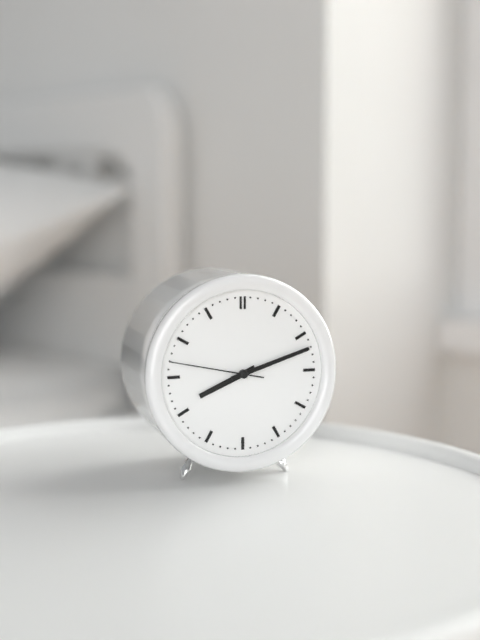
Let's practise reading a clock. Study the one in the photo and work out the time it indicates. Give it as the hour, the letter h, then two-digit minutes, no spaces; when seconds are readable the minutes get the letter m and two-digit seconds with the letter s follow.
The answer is 8h12m47s
